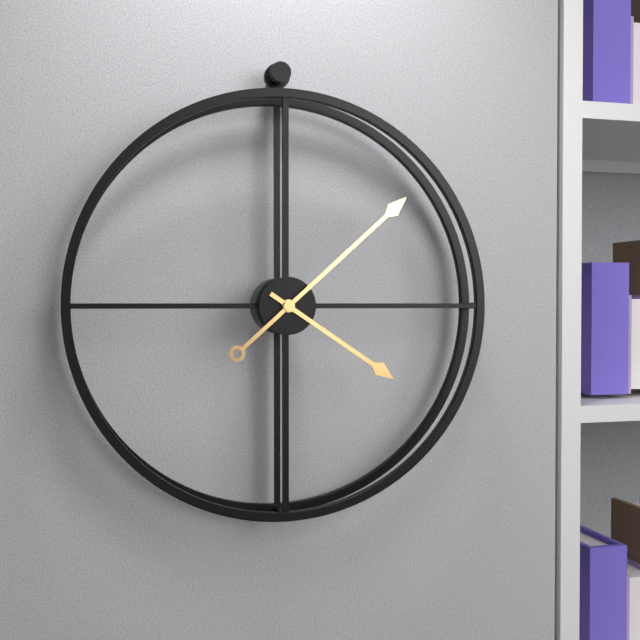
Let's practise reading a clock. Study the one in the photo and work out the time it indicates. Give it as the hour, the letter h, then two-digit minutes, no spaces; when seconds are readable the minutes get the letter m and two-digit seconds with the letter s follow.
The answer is 4h08
